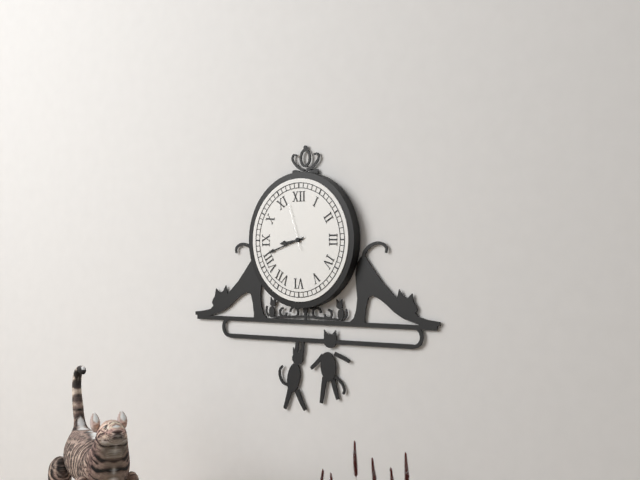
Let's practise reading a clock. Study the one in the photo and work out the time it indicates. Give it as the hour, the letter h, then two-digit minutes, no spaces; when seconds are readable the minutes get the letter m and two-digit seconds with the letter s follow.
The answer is 8h42
